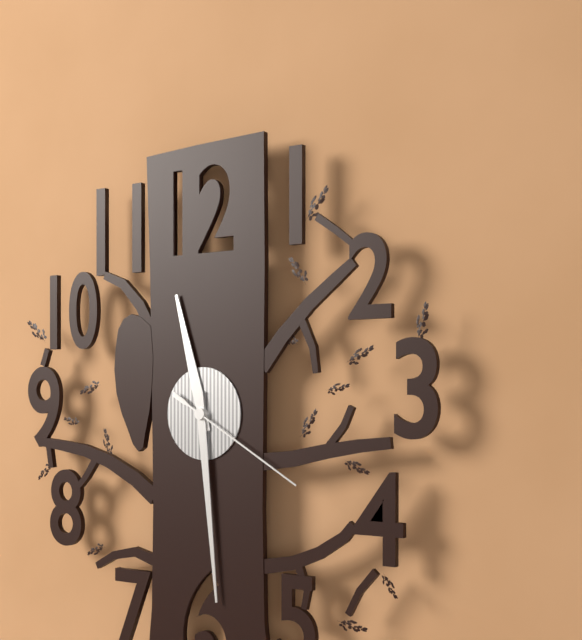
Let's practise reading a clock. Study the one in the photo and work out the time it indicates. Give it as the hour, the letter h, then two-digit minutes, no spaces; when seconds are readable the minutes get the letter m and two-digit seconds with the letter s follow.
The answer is 11h29m20s
